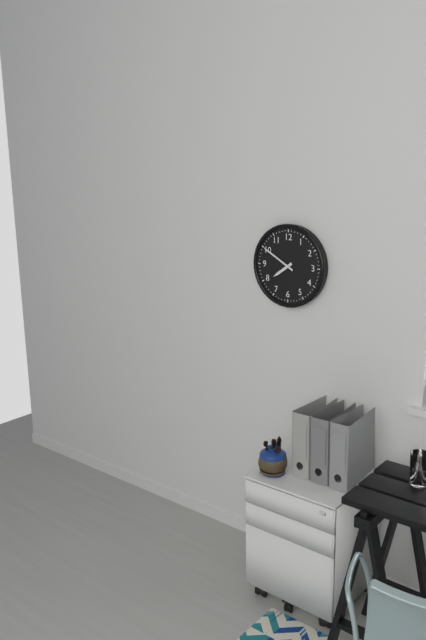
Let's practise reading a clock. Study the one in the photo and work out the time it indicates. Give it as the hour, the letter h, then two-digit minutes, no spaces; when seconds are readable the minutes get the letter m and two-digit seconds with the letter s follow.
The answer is 7h50
